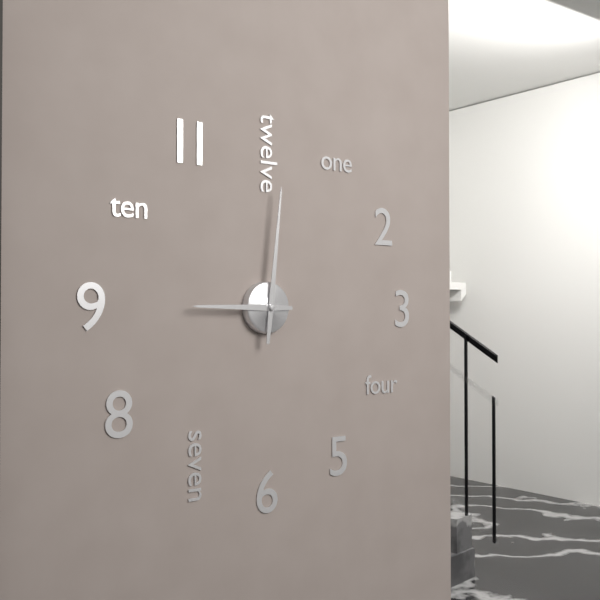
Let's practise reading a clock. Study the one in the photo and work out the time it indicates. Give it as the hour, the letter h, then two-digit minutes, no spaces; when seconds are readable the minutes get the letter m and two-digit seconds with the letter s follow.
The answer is 9h01
